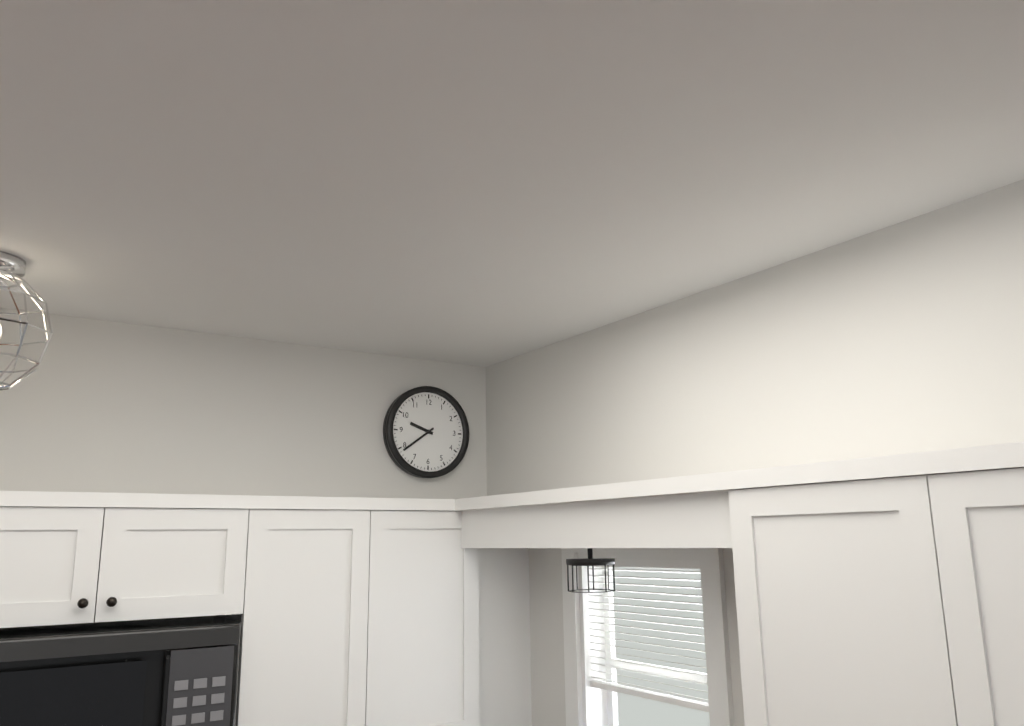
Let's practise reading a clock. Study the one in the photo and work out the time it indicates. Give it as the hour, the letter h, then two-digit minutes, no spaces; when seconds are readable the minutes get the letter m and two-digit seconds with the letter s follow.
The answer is 9h39
